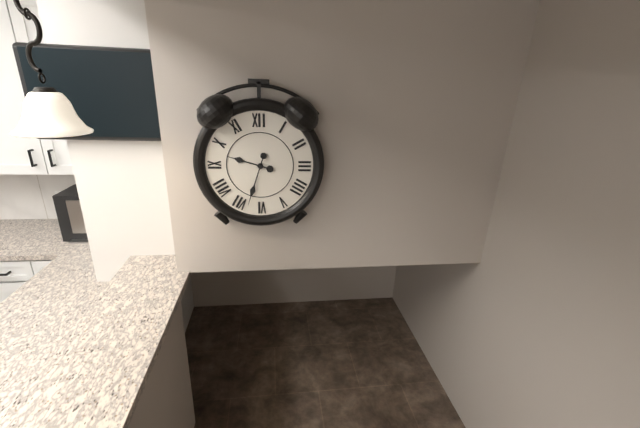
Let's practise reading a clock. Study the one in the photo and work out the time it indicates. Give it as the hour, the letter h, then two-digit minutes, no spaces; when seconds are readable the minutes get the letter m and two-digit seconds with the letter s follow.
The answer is 9h33
